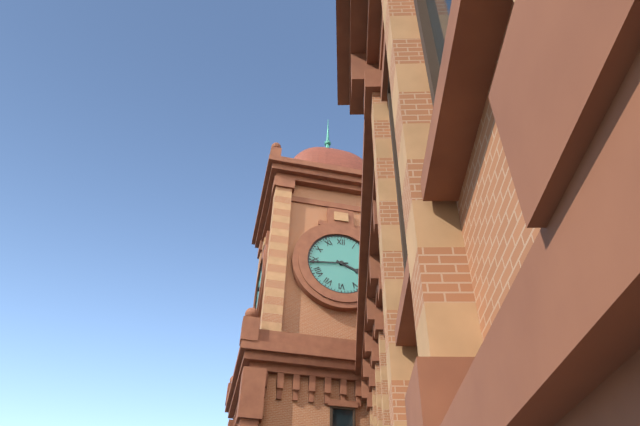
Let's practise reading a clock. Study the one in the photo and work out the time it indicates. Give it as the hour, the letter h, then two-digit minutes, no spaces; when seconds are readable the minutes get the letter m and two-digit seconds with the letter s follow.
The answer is 3h44
